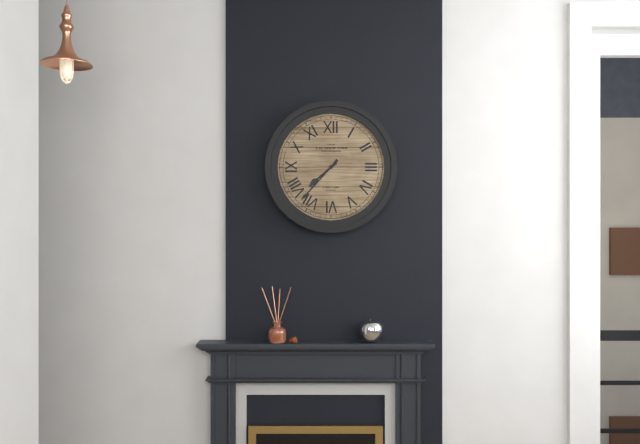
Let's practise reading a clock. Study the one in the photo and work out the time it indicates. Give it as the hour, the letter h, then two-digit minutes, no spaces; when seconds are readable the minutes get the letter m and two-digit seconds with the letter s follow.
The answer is 7h37
